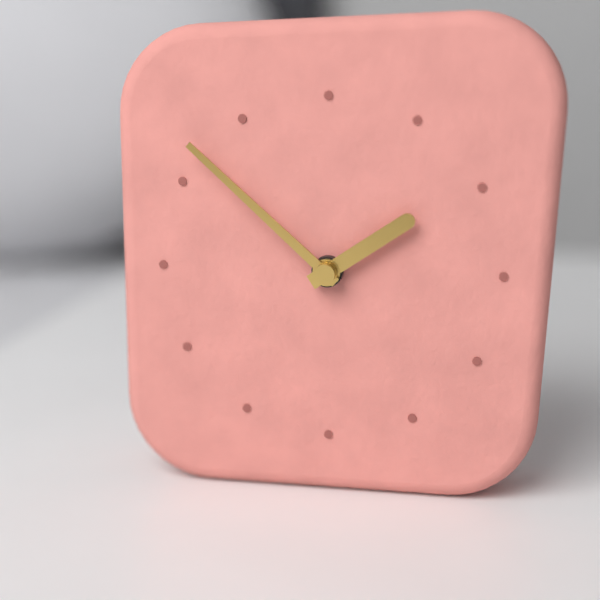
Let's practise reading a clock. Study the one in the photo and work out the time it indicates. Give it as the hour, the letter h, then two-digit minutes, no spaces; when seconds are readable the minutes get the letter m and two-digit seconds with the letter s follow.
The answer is 1h52
